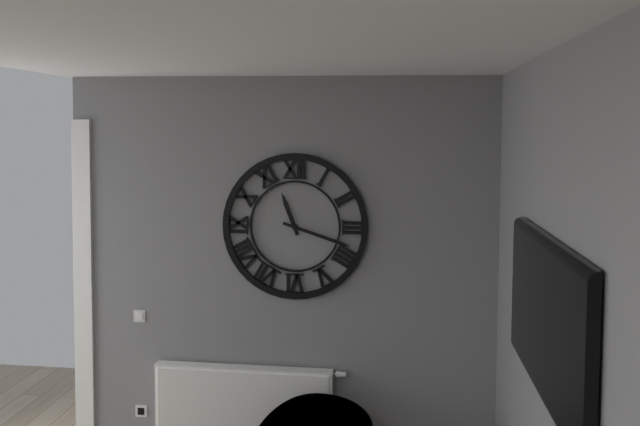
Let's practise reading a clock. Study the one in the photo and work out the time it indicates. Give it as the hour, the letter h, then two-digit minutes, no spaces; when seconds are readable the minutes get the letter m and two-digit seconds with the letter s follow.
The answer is 11h18
